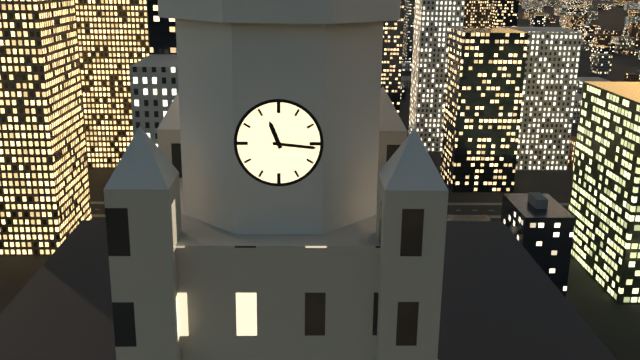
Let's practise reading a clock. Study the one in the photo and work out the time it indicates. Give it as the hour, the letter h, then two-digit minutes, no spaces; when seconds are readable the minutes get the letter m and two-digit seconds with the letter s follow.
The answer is 11h16
